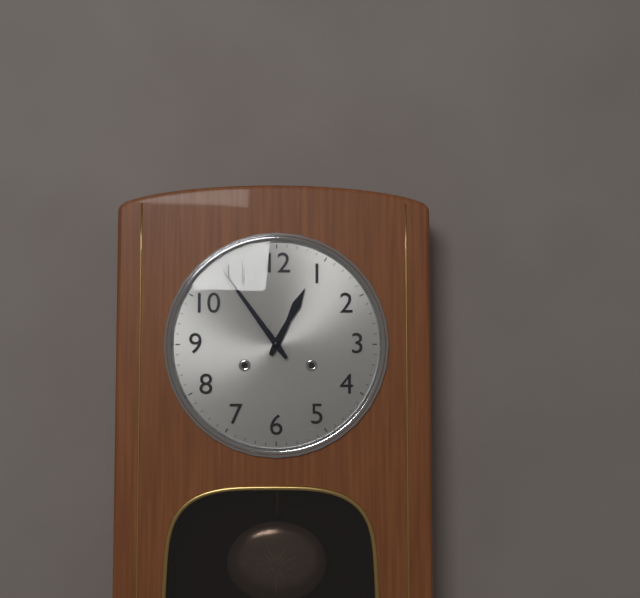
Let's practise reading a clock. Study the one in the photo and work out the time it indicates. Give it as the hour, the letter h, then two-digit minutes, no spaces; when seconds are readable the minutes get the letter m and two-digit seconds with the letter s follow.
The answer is 12h54
